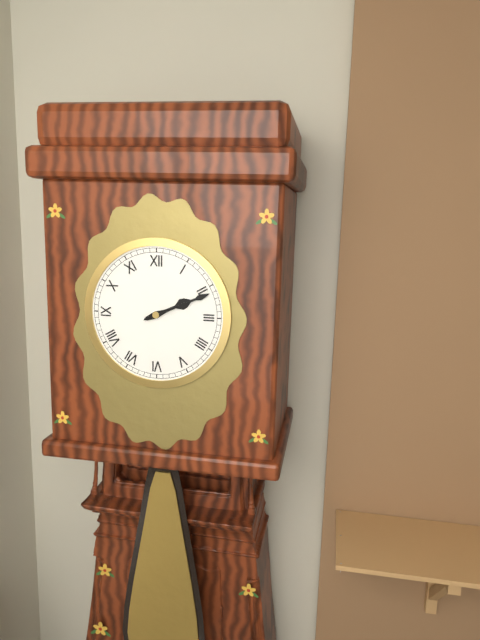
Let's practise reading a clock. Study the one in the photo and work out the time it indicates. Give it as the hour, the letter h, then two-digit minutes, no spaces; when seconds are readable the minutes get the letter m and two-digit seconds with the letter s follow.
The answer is 2h11
